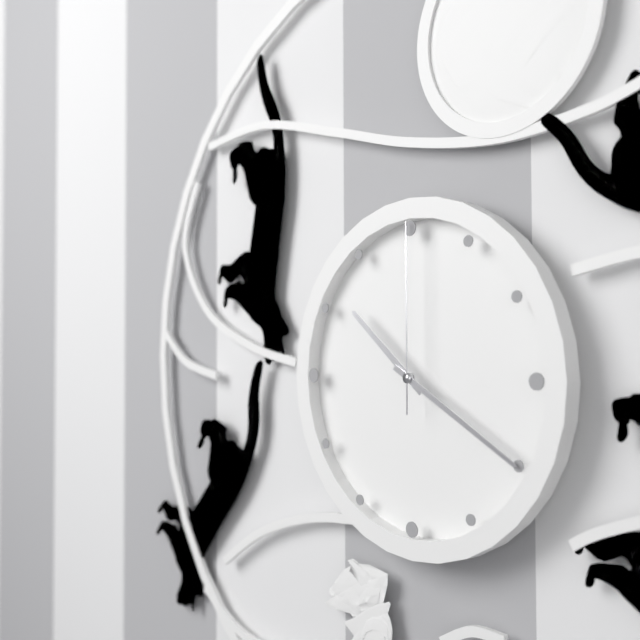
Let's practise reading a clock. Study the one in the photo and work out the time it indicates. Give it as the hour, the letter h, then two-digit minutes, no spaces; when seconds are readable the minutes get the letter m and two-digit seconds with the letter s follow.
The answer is 10h20m00s
